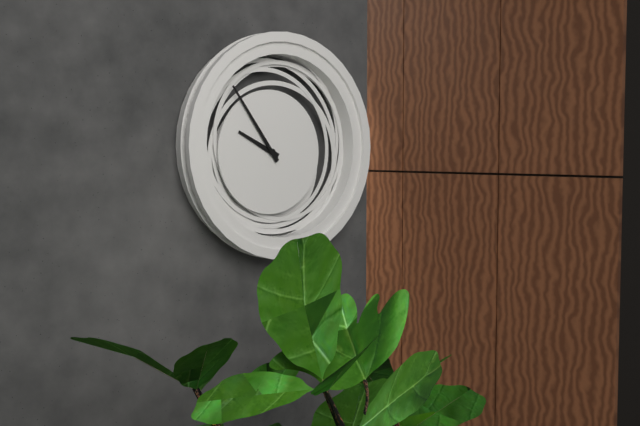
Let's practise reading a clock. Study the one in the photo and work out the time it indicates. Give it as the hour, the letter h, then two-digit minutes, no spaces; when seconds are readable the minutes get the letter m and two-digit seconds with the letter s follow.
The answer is 9h54
